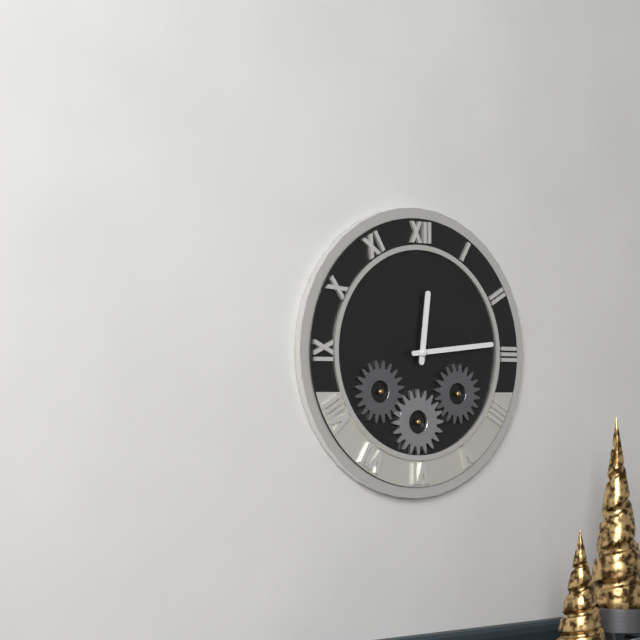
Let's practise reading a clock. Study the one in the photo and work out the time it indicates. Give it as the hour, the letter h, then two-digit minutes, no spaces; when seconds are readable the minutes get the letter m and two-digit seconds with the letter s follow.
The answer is 12h14
